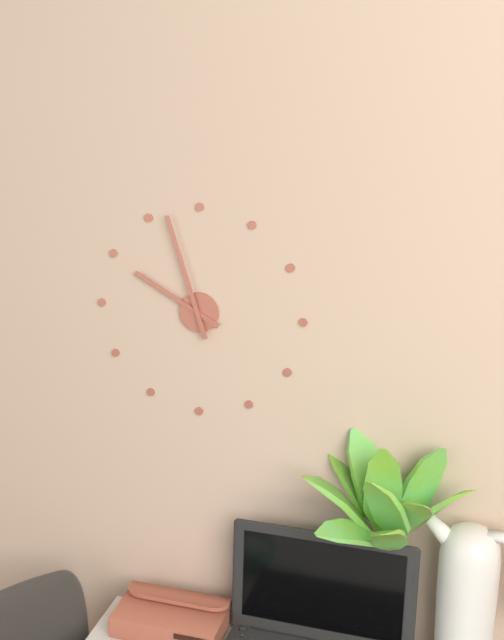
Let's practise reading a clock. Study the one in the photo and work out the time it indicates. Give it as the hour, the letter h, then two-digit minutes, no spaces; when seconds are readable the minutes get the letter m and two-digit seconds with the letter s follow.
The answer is 9h57
